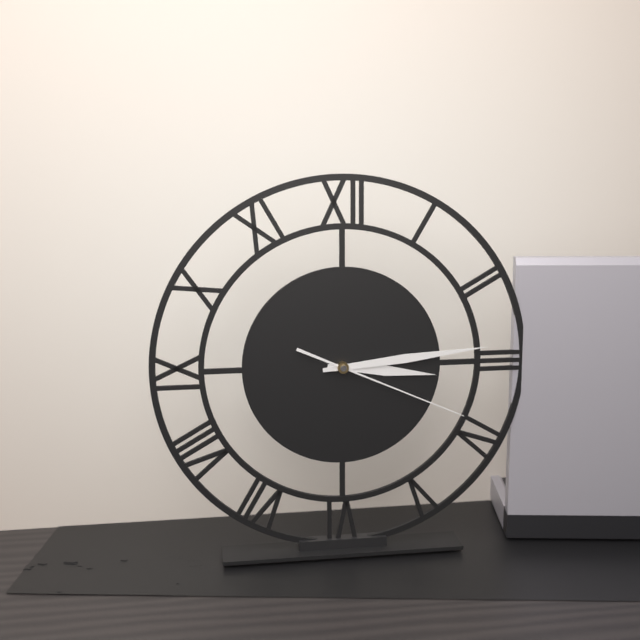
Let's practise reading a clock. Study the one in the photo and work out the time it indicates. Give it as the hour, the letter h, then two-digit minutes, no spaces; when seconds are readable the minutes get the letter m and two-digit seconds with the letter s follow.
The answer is 3h14m19s
